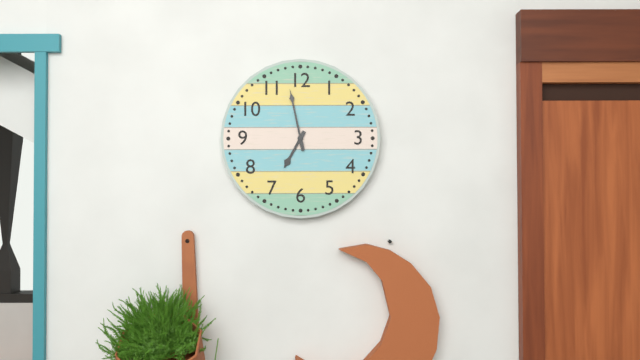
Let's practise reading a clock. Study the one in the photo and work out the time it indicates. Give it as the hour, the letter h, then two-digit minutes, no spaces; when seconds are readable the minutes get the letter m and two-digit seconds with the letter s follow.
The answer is 6h58
